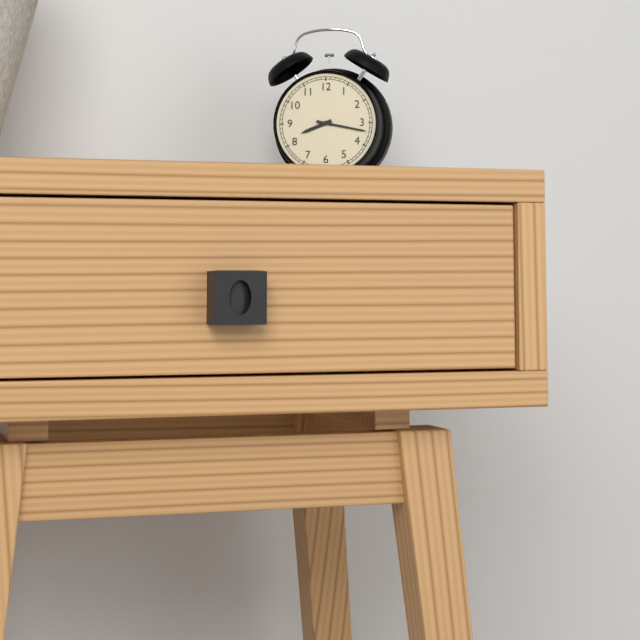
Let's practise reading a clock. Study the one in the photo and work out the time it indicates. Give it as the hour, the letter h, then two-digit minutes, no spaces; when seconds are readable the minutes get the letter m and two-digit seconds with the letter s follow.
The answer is 8h17
